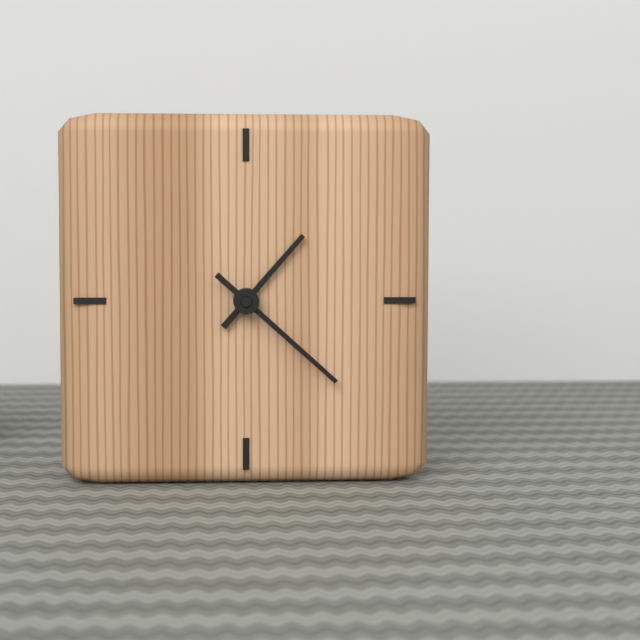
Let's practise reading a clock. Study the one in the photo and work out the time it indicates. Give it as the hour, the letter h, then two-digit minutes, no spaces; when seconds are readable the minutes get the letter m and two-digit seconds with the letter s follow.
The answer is 1h22
